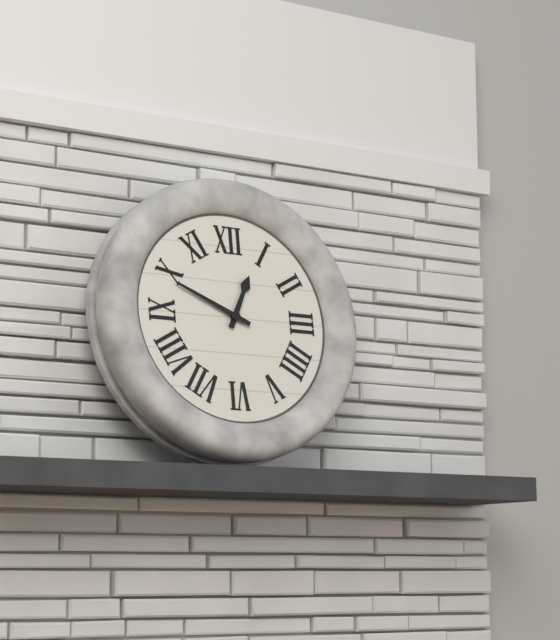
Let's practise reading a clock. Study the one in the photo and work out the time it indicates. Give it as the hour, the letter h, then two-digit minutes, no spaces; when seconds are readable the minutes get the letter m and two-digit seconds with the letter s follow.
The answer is 12h49
